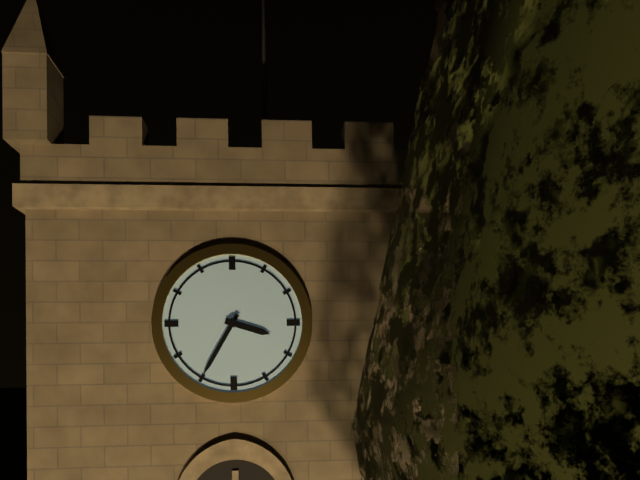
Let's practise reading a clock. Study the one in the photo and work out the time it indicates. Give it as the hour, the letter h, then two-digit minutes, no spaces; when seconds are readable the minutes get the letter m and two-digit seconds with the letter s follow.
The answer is 3h35
